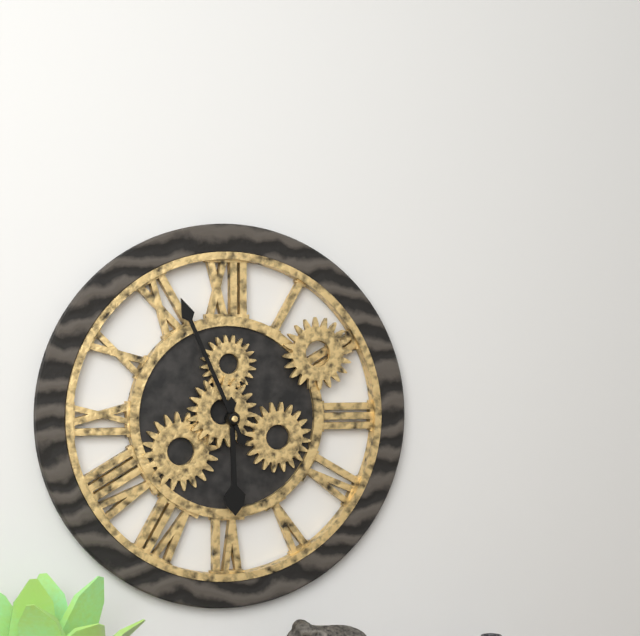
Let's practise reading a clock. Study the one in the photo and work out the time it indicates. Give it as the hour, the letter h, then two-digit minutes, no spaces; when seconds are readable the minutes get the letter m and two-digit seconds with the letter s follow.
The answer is 5h56
